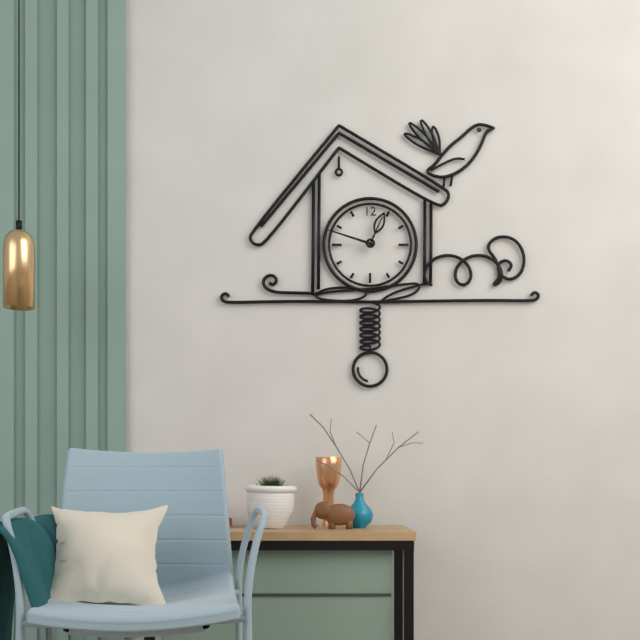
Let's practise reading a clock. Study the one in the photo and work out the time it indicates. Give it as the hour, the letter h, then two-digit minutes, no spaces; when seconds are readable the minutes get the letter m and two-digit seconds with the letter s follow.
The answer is 12h48
